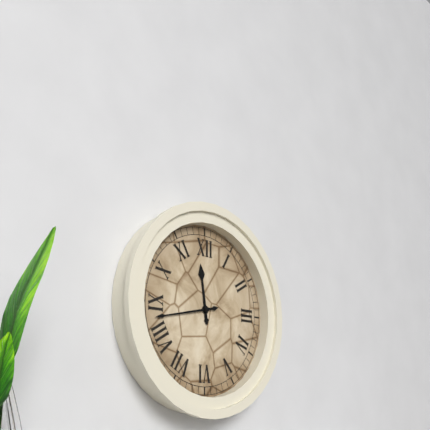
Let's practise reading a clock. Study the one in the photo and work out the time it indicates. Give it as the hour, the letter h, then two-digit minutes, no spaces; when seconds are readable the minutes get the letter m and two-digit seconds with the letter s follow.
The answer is 11h43
